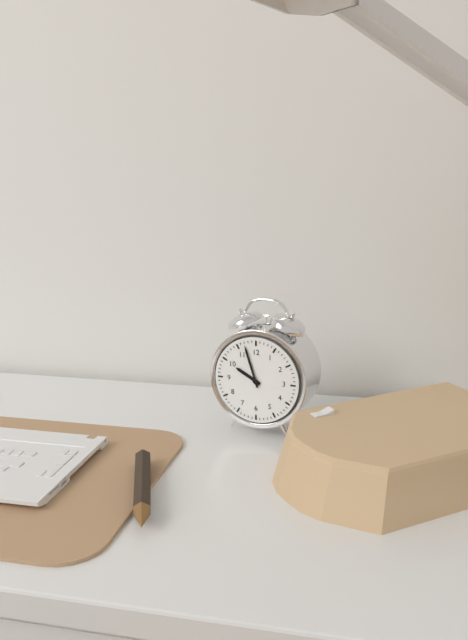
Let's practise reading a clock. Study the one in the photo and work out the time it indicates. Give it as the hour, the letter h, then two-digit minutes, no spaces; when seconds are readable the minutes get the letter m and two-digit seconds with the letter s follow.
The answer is 9h57
